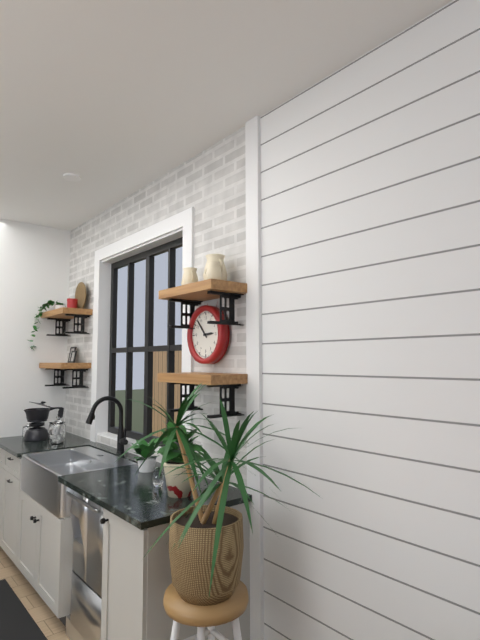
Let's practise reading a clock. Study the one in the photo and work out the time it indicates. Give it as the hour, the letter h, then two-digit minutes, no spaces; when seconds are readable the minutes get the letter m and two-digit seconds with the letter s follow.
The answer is 2h53
